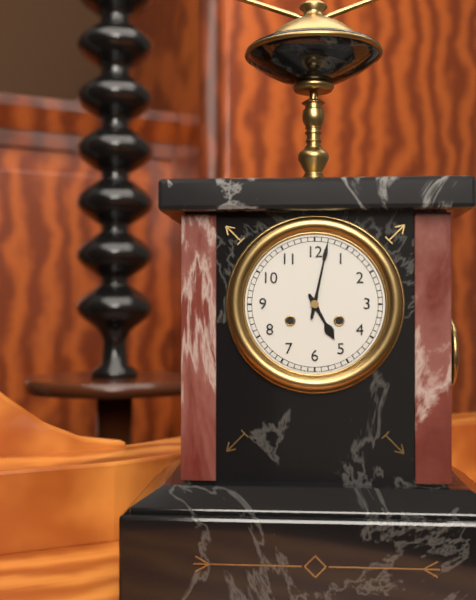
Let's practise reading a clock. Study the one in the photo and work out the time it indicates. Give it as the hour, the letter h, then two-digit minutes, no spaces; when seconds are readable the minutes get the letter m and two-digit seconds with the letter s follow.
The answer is 5h02
